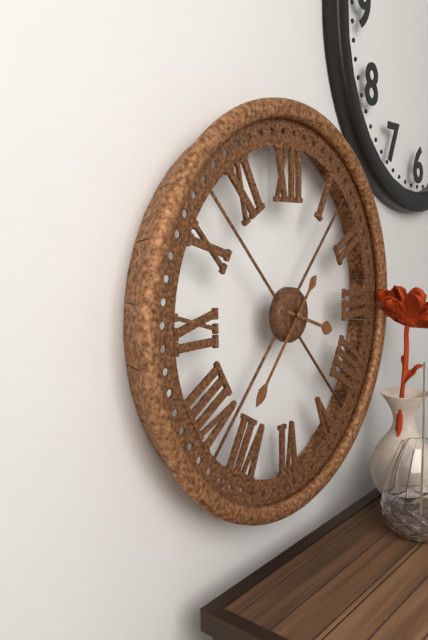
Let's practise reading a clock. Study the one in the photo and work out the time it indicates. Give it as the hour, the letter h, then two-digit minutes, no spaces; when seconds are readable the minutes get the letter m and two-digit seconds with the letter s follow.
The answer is 3h37
